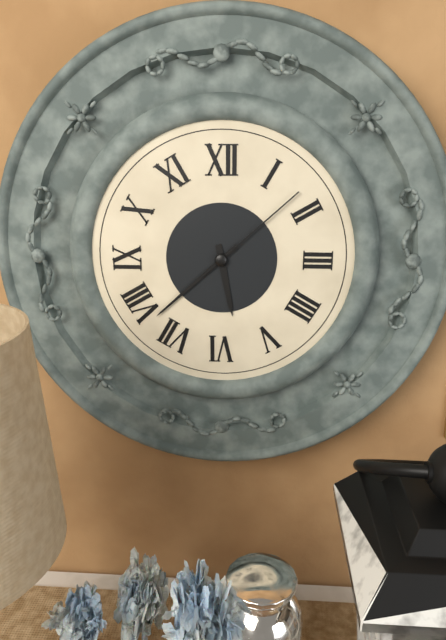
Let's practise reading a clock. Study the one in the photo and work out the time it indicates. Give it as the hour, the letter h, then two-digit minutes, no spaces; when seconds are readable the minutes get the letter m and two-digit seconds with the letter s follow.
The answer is 5h38m08s
